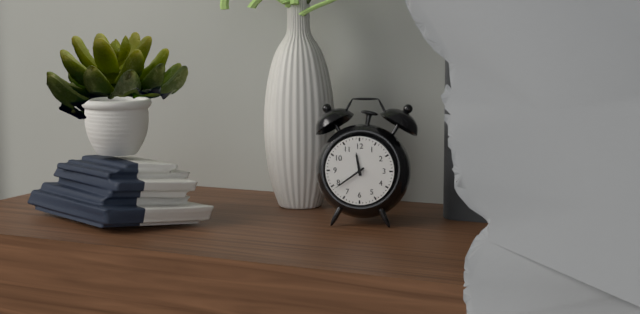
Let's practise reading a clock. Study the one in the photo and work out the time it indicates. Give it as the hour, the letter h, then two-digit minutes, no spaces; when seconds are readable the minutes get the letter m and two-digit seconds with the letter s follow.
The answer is 11h39
